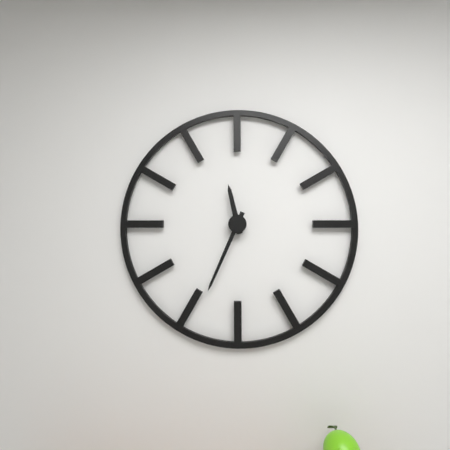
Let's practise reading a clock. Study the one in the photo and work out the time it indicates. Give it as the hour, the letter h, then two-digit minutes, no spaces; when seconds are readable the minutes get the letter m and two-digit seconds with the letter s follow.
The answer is 11h34
